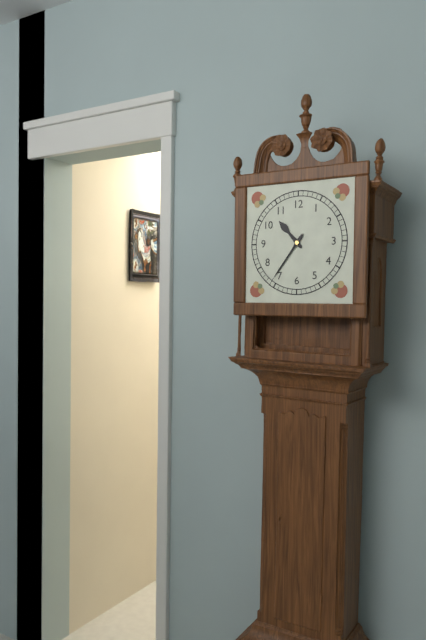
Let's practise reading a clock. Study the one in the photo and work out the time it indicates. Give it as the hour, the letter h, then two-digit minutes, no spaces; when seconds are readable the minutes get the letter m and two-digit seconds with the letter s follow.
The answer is 10h36
